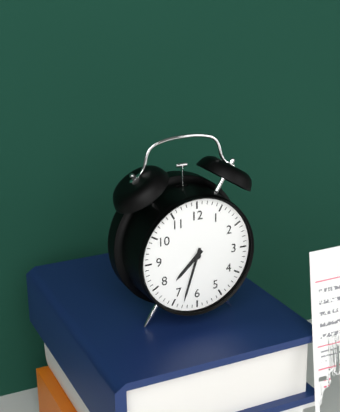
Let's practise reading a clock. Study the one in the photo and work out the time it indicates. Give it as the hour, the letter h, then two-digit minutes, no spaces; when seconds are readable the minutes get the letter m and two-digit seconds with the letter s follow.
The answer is 7h33
